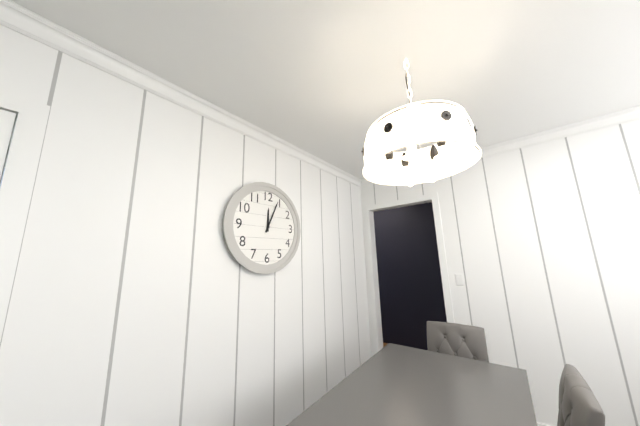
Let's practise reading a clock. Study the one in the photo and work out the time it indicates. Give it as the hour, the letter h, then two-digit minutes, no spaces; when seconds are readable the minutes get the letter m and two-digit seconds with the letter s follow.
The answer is 12h04
